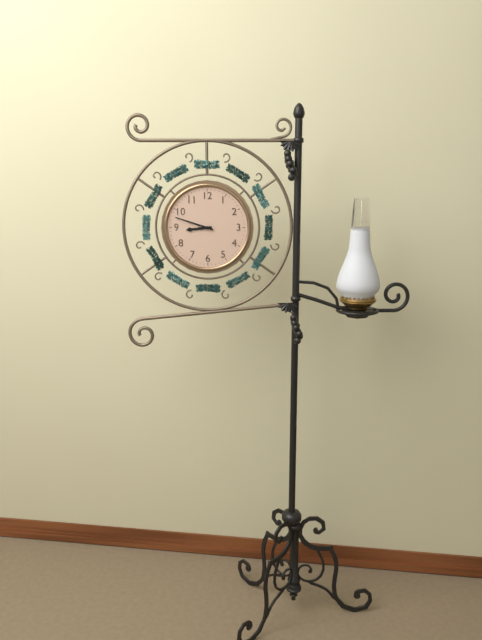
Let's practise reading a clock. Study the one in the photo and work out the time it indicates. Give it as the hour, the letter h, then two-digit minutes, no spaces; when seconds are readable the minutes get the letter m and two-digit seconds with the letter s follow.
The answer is 8h48
